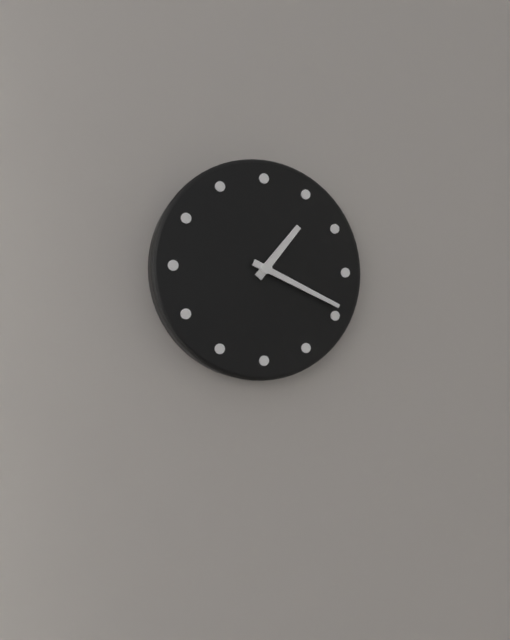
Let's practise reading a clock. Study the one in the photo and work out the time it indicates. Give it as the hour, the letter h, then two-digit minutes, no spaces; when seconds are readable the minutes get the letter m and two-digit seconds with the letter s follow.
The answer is 1h19
